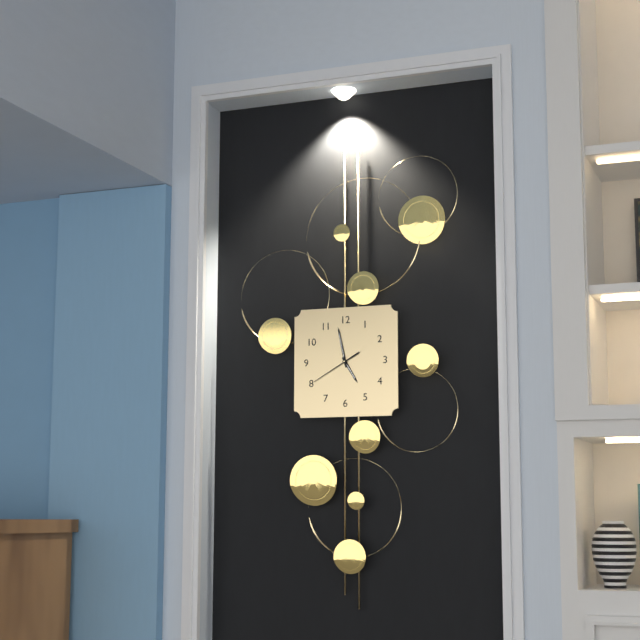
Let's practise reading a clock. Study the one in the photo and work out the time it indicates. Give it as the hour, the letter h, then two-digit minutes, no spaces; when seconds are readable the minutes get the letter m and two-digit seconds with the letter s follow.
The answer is 4h58
